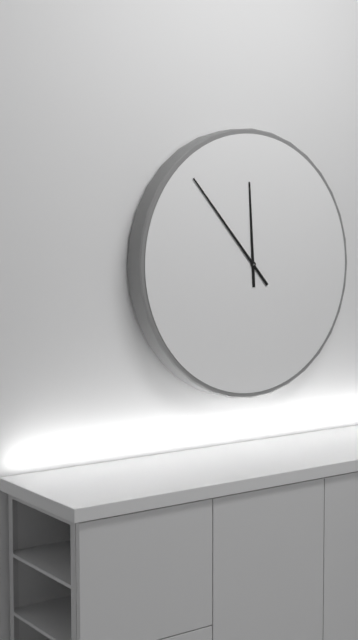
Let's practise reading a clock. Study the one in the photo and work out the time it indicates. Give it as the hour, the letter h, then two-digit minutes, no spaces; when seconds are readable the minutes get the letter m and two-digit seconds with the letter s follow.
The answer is 11h53
